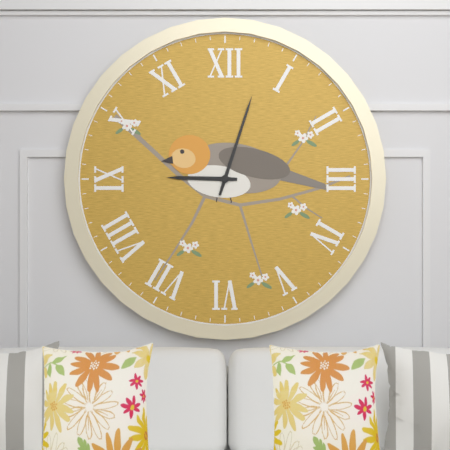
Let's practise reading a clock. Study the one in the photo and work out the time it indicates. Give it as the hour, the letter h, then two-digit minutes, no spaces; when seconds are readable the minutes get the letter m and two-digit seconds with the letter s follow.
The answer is 9h03
